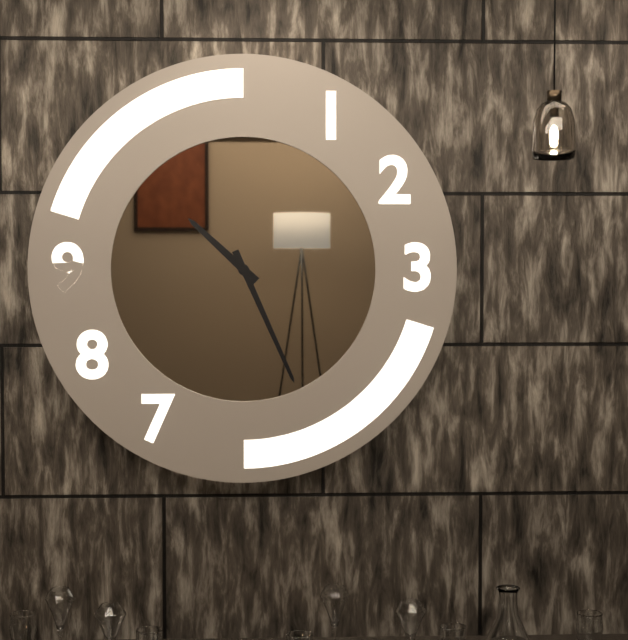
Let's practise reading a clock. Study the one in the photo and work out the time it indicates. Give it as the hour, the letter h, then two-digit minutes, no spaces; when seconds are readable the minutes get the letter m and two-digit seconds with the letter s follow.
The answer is 10h26
